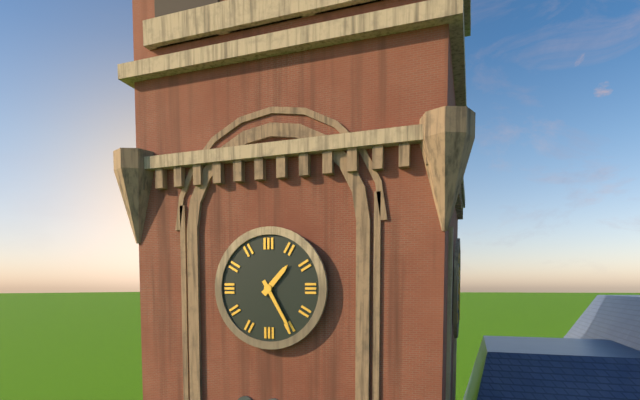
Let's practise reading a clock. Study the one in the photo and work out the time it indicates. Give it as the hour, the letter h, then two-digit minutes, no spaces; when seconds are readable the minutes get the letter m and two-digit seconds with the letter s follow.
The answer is 1h25
